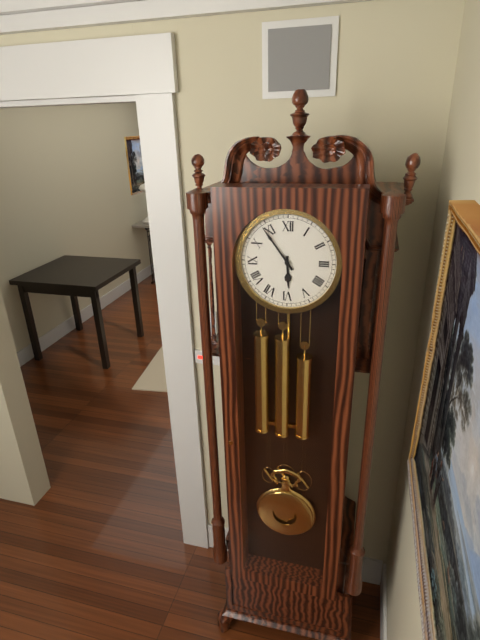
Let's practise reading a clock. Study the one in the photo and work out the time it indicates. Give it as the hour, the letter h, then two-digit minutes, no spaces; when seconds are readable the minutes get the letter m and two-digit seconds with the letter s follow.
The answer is 5h54
